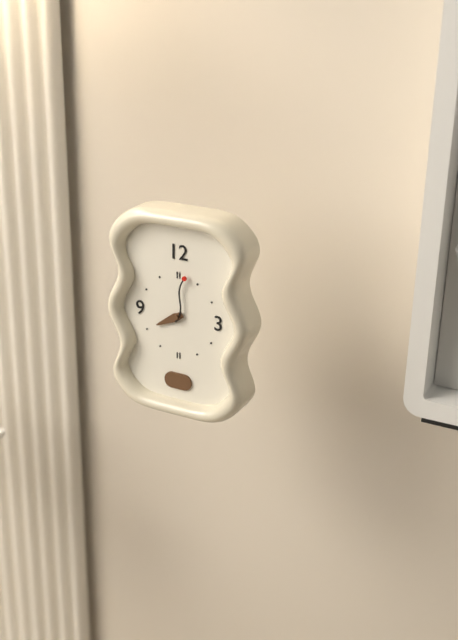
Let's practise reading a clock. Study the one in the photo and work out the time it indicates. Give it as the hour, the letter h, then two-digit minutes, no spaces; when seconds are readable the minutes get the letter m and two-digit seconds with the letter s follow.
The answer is 8h02
